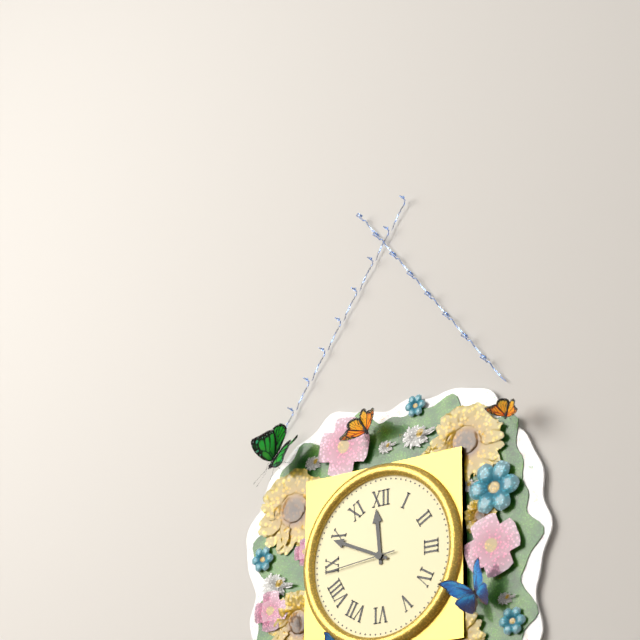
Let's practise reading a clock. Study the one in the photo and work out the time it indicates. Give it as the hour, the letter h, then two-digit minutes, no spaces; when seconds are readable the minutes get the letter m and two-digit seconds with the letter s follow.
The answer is 11h49m44s
